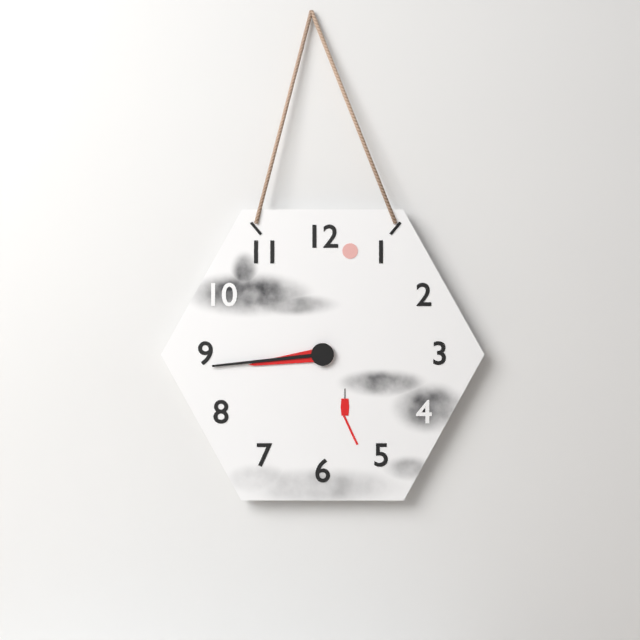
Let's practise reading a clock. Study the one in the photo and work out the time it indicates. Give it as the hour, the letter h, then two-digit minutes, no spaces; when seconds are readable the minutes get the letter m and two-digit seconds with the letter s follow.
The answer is 8h44
